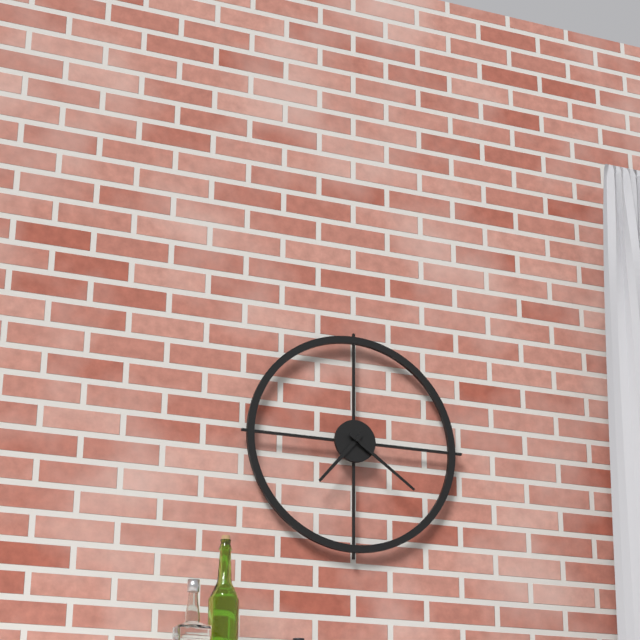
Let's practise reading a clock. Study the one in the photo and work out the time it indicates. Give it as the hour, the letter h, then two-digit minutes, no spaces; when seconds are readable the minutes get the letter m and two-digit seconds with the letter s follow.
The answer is 7h21
